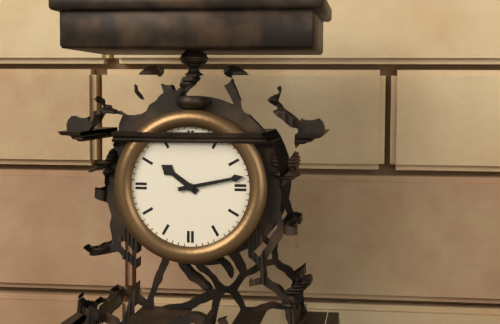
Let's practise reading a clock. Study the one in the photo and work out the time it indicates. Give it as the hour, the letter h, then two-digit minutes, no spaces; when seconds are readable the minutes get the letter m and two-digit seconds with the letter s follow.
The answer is 10h13
